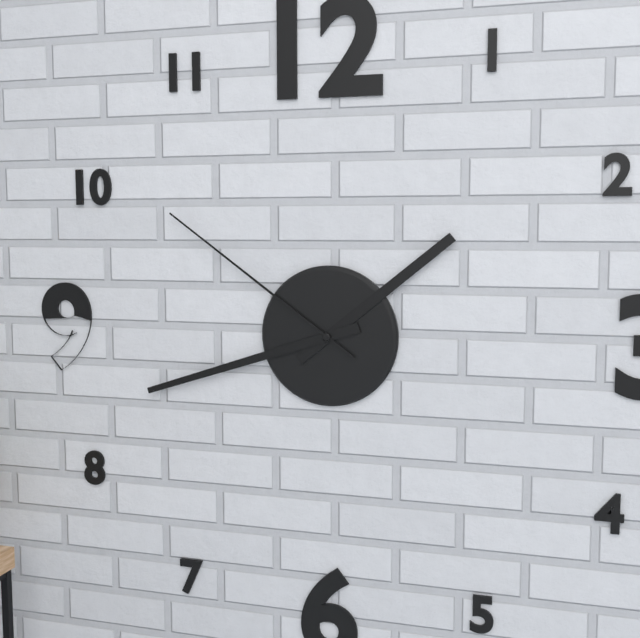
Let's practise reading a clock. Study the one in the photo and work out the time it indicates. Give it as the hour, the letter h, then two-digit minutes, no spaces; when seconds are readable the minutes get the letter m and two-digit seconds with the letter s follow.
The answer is 1h42m51s
